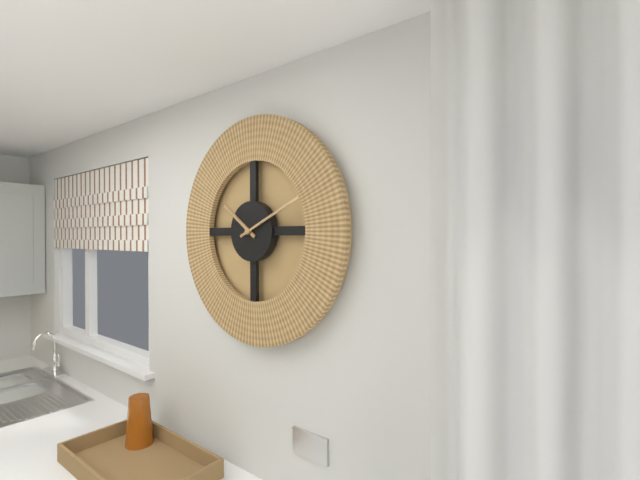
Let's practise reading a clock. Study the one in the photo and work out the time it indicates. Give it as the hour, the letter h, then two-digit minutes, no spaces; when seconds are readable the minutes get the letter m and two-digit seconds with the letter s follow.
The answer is 10h11
